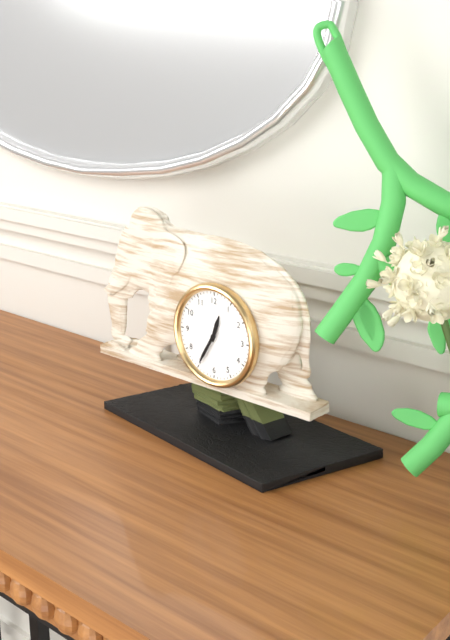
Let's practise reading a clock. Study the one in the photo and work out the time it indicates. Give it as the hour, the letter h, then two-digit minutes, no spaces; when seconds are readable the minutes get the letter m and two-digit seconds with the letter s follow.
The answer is 12h35
